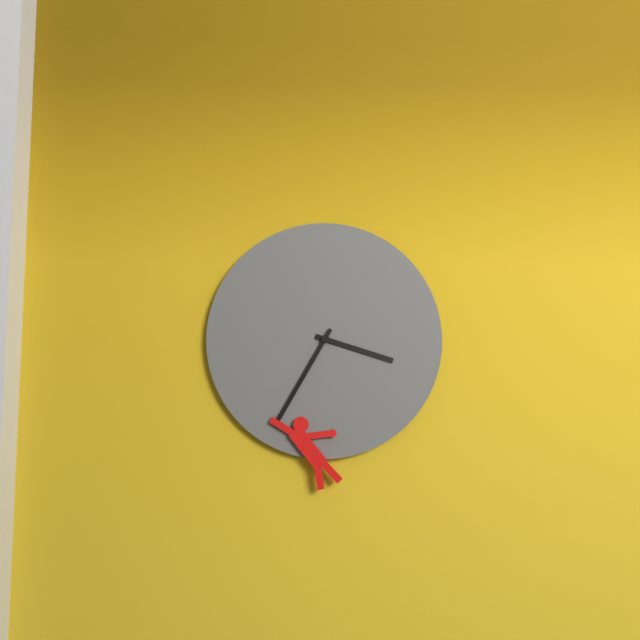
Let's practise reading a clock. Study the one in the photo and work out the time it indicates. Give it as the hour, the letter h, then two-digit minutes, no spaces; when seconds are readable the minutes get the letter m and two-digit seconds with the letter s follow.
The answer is 3h35
